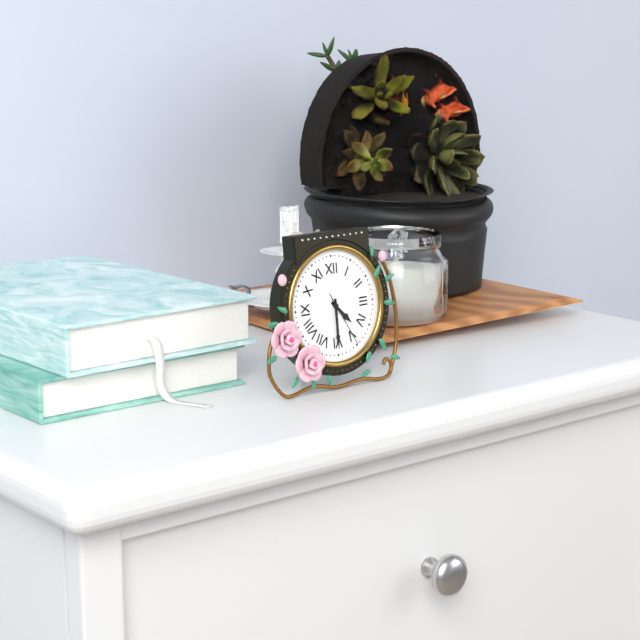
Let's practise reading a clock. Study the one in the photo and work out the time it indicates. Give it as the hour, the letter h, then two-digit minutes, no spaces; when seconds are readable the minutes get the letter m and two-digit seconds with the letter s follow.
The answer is 4h30m25s
